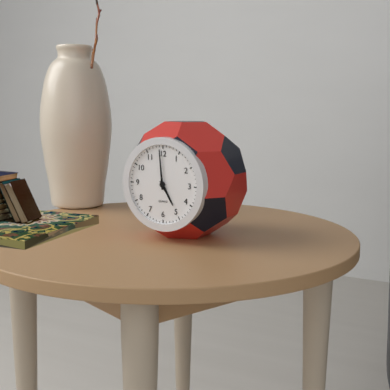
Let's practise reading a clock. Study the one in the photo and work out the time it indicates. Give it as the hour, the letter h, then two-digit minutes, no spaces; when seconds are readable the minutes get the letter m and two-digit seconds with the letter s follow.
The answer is 4h59
